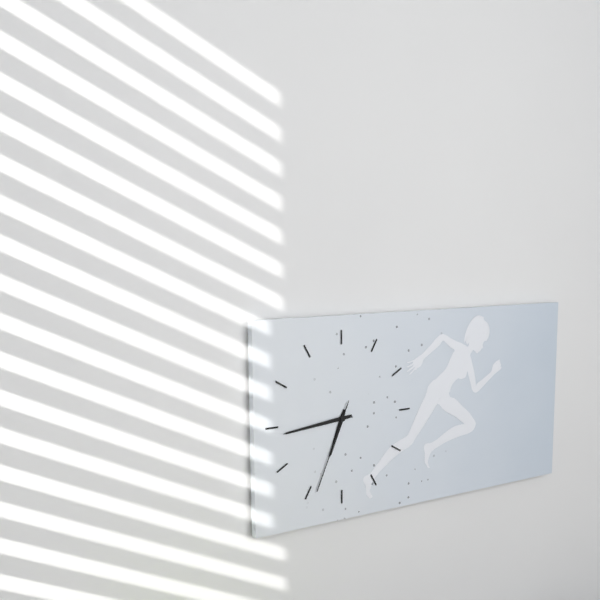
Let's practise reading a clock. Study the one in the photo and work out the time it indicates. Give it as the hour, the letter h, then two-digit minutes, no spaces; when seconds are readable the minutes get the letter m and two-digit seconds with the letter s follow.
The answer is 6h44m34s
